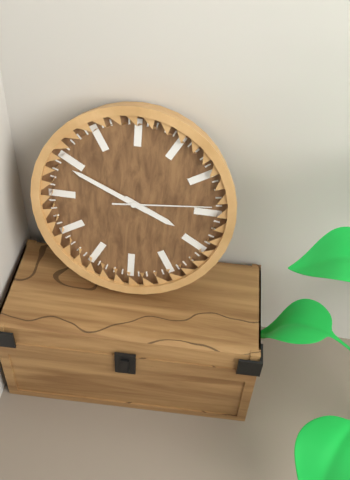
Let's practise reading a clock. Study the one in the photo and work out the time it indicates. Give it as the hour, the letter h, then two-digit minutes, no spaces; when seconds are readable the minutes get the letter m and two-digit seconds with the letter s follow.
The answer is 3h49m14s
